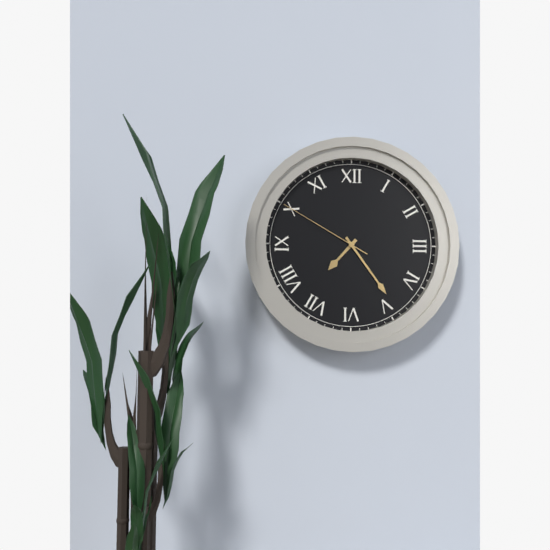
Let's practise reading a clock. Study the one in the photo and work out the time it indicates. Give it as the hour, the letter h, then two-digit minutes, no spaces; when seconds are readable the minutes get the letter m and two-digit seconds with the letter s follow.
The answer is 7h24m50s
